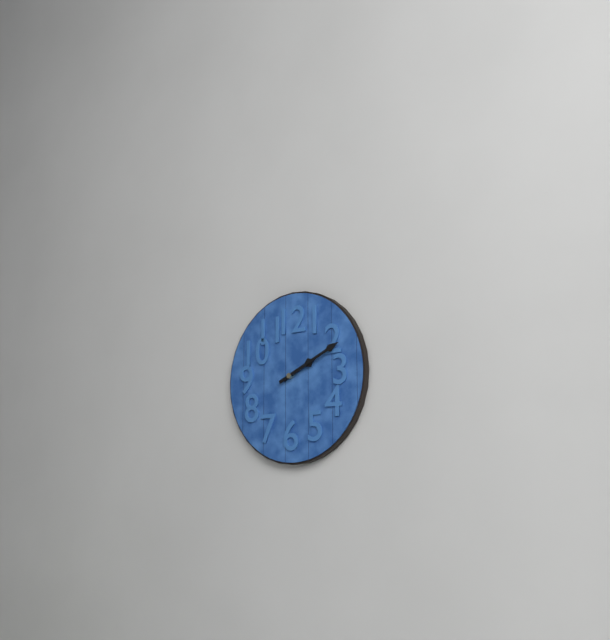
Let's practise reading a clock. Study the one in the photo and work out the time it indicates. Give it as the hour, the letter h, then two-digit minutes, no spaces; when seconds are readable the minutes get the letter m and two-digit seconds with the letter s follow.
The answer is 2h11
